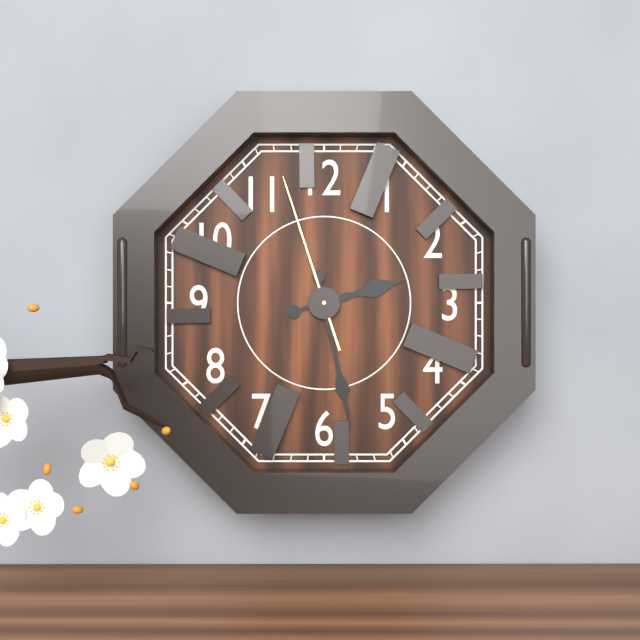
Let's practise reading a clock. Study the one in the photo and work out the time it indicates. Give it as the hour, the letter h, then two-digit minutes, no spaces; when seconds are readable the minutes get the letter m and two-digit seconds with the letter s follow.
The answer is 2h28m57s
